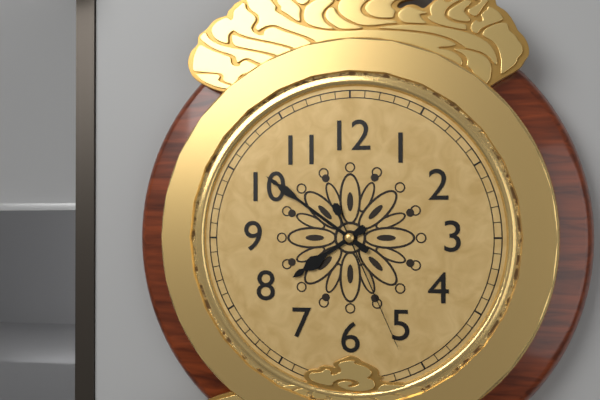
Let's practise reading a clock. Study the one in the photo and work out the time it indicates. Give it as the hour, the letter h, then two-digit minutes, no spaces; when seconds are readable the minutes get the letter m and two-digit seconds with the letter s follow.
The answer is 7h51m26s
